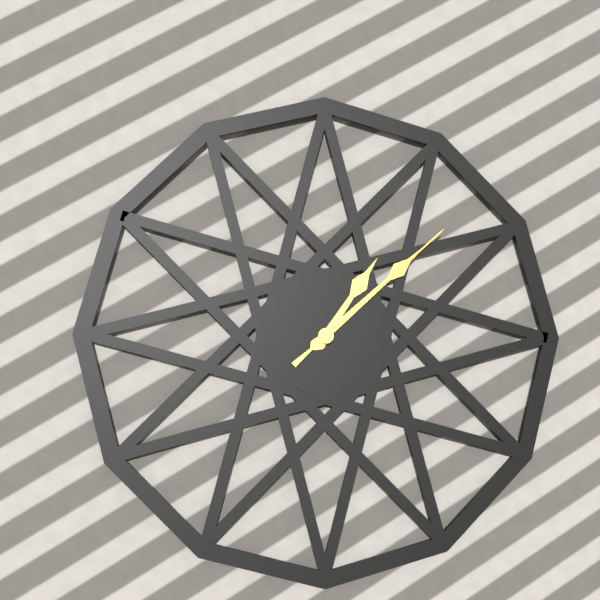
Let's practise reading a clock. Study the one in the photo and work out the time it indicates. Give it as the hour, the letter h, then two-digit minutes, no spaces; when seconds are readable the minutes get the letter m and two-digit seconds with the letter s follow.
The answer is 1h08m08s
